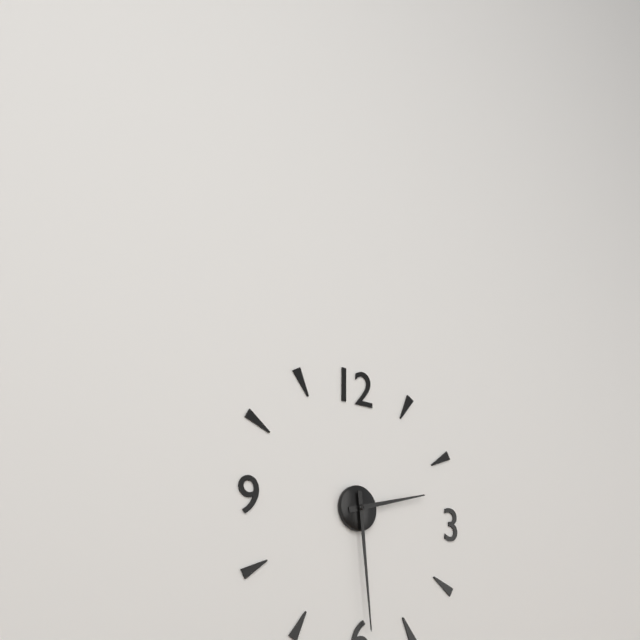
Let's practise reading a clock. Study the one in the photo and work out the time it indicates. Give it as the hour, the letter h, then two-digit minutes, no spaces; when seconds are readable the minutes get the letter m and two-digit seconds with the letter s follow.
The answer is 2h29
